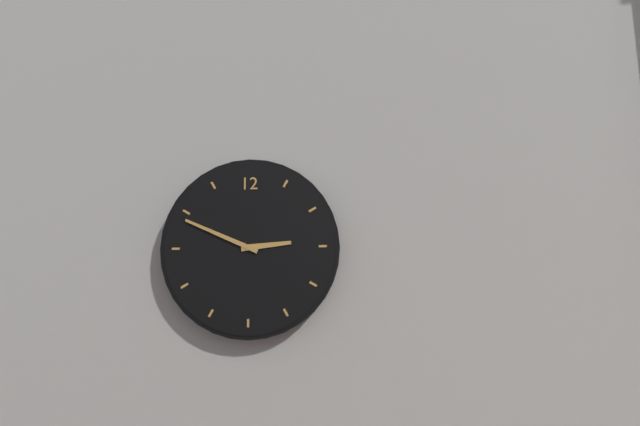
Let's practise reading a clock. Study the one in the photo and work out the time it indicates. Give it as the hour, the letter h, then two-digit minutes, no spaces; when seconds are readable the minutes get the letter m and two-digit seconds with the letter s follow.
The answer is 2h49
